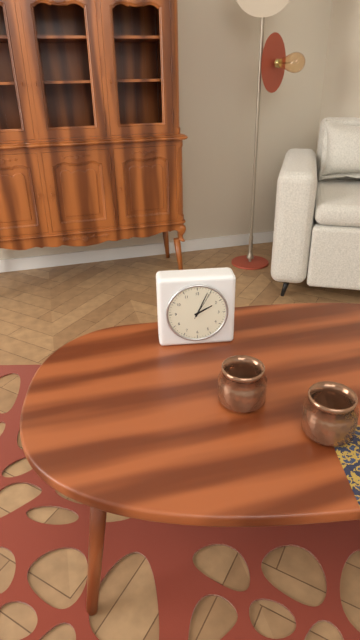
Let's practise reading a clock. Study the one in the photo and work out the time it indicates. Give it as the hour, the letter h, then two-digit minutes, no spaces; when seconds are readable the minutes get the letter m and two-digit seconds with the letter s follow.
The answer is 2h04
